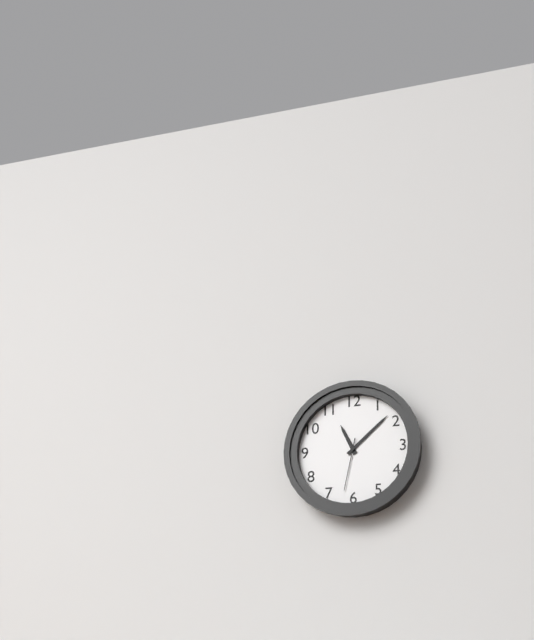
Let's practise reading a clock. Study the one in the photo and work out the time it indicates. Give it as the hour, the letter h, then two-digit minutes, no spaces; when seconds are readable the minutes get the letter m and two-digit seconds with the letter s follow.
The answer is 11h08m32s
